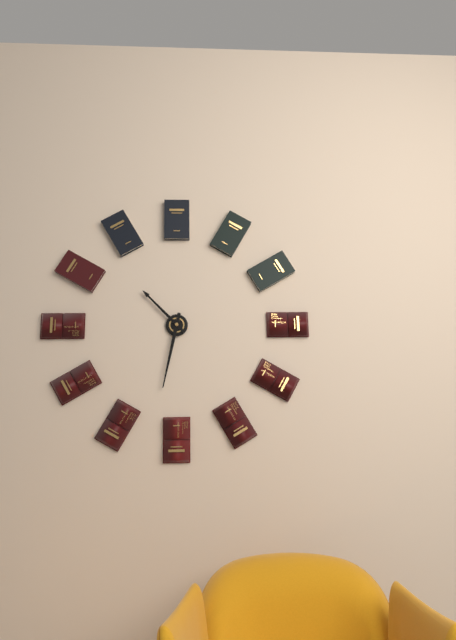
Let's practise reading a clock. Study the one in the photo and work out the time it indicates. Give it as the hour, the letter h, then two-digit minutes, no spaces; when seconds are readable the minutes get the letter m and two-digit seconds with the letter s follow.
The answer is 10h32
